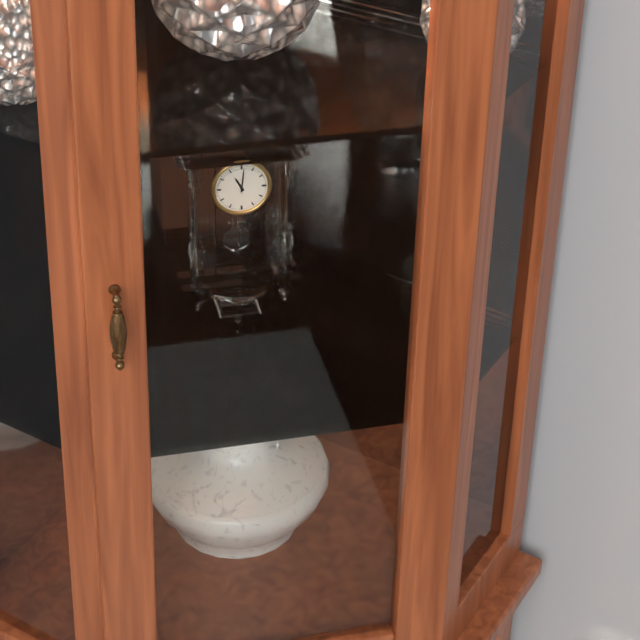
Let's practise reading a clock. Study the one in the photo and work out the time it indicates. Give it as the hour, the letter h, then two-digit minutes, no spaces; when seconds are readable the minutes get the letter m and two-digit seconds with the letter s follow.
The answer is 11h01
